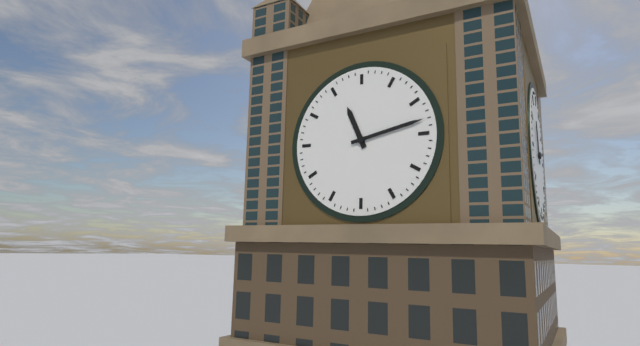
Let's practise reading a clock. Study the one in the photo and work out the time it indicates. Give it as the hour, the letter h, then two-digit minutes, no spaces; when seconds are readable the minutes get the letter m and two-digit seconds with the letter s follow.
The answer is 11h13
